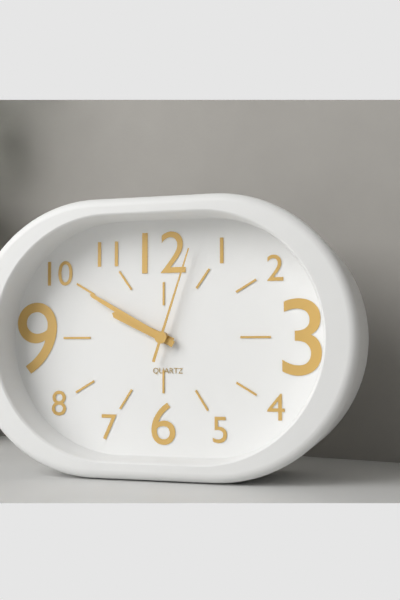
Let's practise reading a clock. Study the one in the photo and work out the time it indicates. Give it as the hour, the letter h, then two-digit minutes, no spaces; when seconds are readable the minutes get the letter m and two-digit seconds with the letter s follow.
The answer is 9h50m03s
